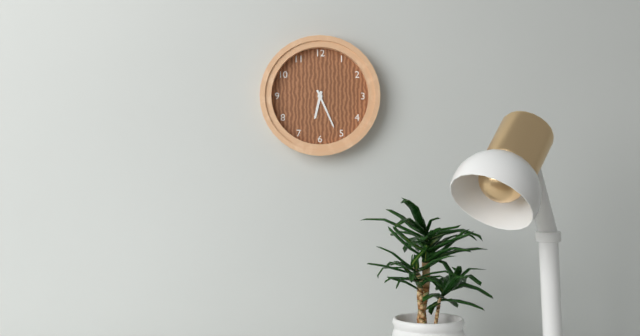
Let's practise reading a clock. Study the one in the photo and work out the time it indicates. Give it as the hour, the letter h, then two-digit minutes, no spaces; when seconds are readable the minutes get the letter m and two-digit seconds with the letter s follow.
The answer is 6h26
